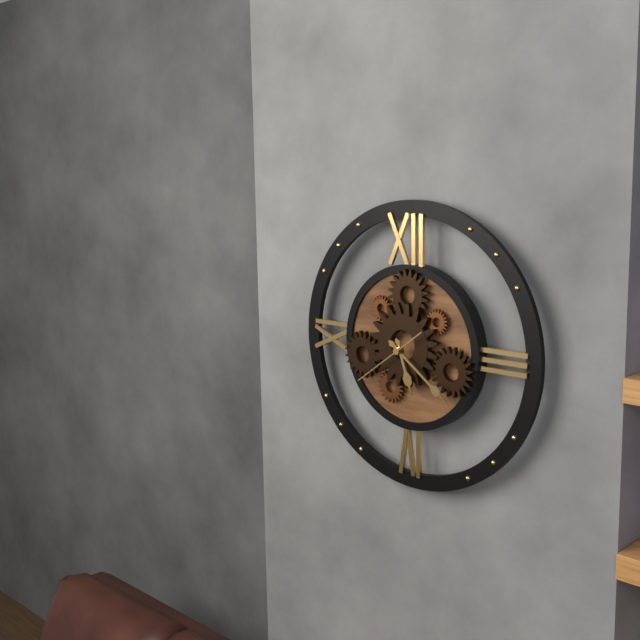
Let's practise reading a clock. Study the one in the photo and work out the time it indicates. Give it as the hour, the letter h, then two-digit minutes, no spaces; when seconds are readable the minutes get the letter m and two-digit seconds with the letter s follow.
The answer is 5h21m39s
